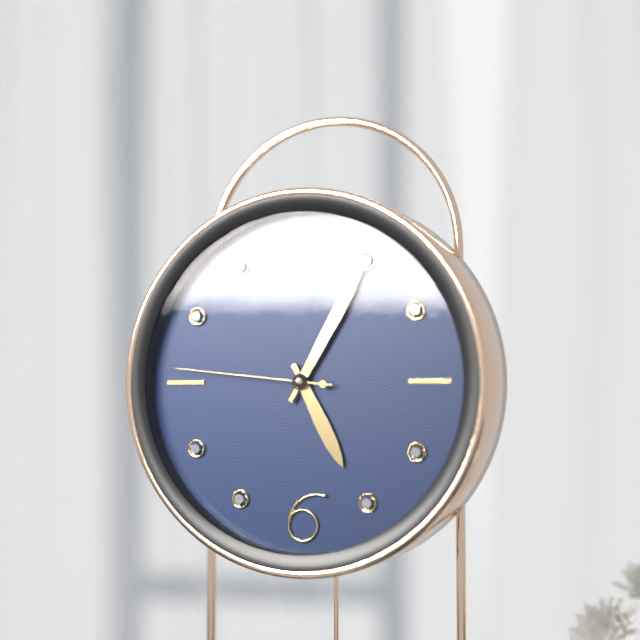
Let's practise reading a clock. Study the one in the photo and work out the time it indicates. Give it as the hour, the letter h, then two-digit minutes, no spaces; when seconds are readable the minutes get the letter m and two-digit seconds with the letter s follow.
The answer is 5h05m46s
